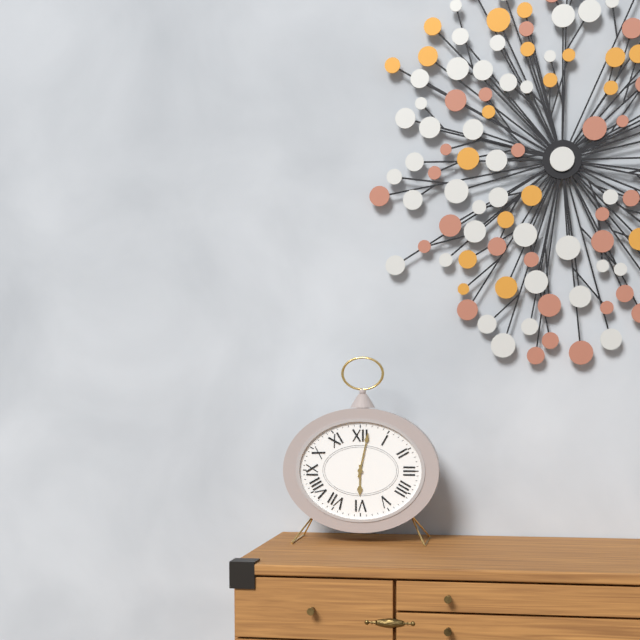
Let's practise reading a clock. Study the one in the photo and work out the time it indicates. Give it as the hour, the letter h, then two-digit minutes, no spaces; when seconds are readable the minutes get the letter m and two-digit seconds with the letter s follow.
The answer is 6h02
